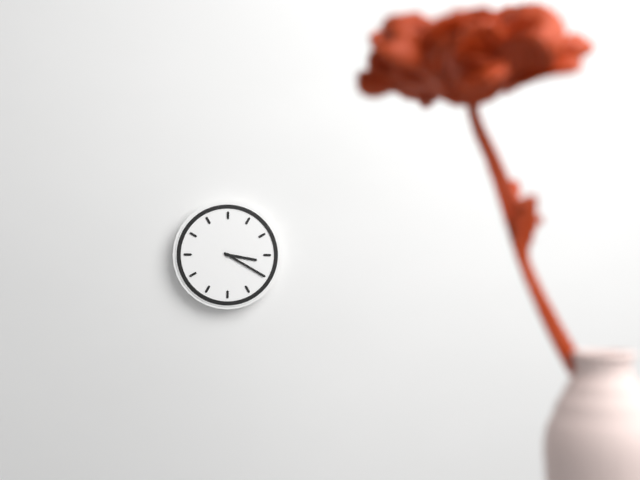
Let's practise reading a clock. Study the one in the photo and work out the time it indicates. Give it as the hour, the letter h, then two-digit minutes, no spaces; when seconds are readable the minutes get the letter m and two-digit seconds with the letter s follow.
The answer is 3h20
